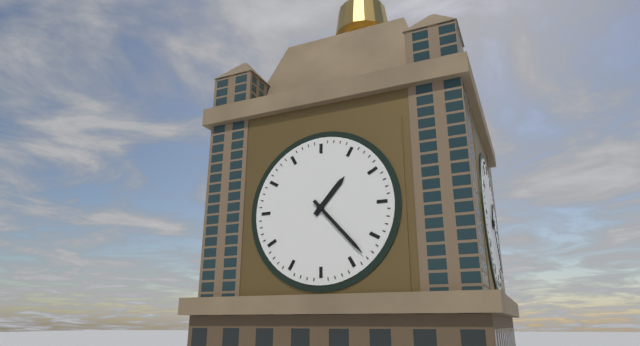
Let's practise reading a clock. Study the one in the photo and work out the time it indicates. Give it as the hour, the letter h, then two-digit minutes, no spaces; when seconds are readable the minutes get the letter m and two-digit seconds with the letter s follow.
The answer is 1h23
